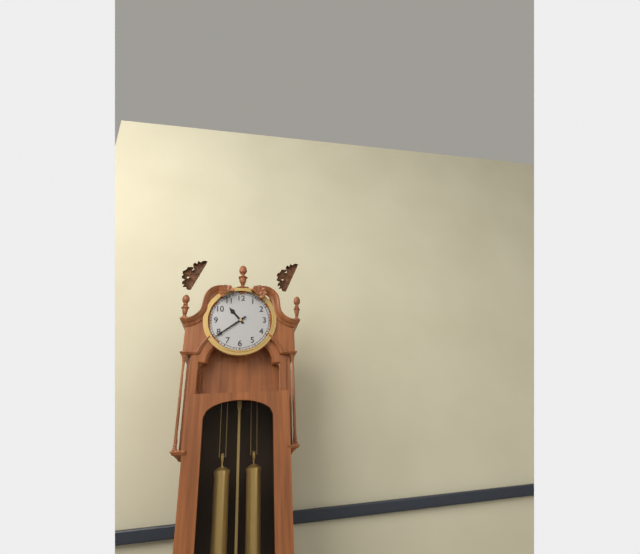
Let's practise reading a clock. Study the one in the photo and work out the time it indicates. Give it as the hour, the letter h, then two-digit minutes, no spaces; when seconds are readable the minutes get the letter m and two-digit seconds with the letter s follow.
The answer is 10h39
